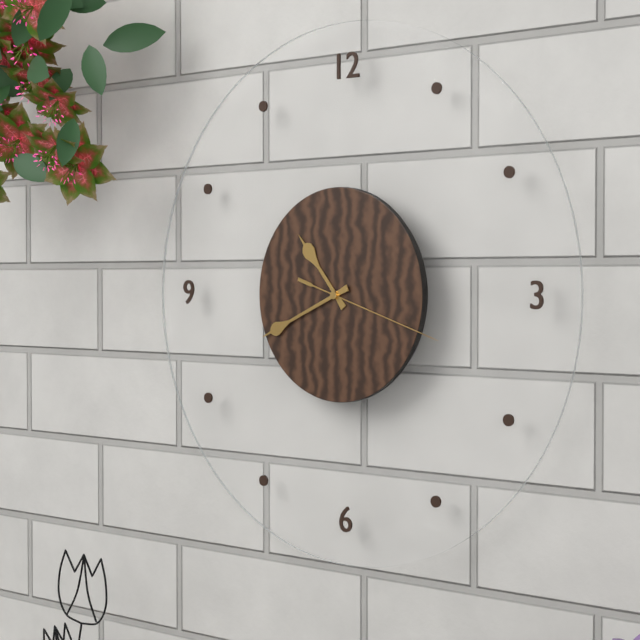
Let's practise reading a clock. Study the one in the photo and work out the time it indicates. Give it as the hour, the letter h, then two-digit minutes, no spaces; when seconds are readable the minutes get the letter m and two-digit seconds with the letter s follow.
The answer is 10h41m18s
